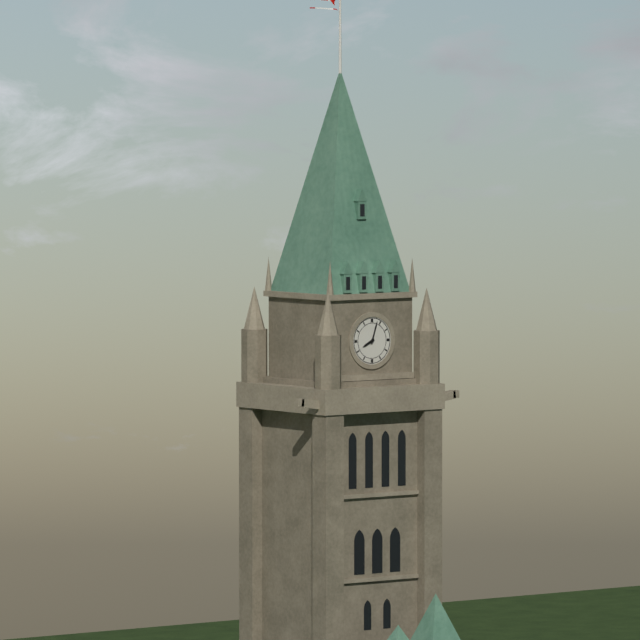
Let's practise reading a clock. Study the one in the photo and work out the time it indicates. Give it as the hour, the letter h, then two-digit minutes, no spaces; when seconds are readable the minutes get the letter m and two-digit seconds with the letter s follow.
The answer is 8h03
